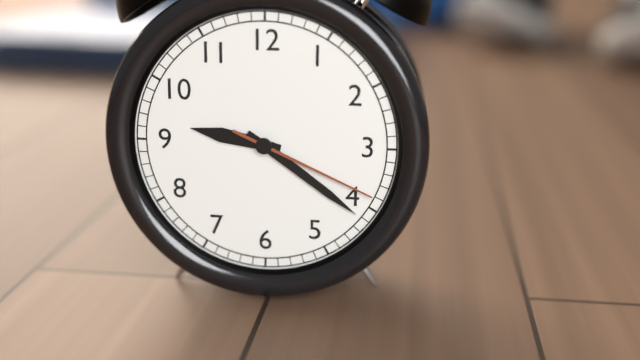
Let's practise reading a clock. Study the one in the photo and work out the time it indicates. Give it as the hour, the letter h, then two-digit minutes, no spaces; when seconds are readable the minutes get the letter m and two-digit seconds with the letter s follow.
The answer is 9h21m19s
